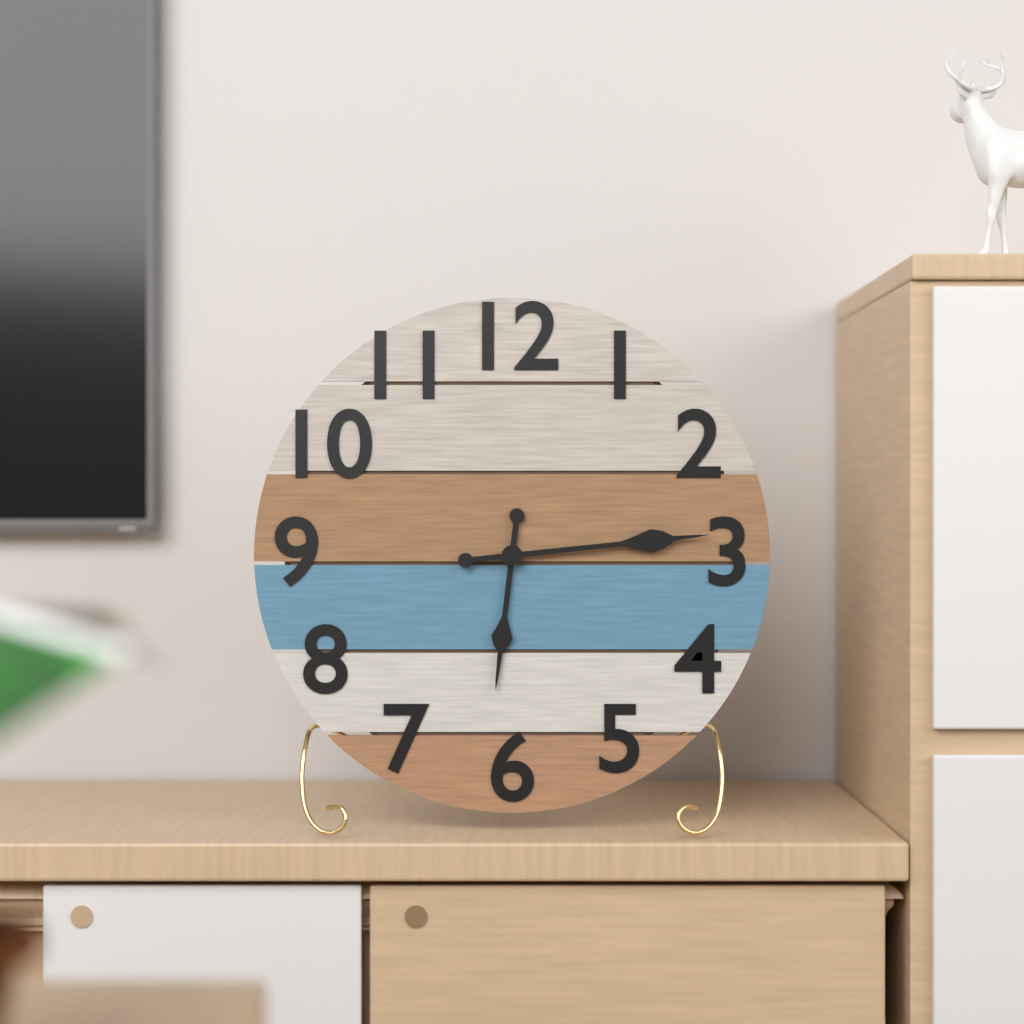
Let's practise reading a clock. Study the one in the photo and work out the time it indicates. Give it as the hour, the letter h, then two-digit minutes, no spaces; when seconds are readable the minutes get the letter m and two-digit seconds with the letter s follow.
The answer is 6h14
